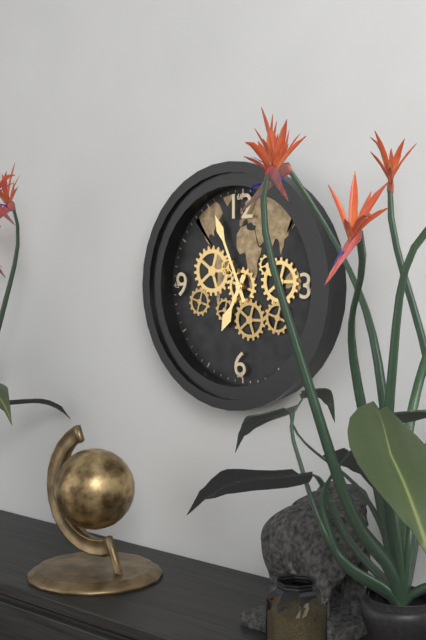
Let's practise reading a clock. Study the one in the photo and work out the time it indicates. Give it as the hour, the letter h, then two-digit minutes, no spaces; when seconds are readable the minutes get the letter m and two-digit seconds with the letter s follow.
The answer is 6h56
